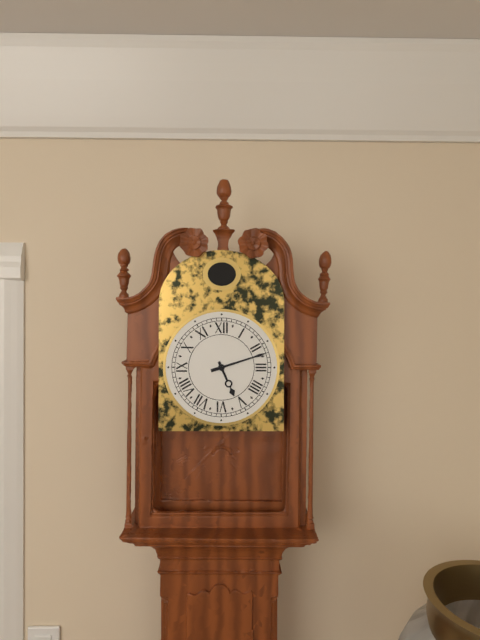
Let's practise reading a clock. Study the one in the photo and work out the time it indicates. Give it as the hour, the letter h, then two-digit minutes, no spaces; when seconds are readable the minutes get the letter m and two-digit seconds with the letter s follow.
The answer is 5h12
